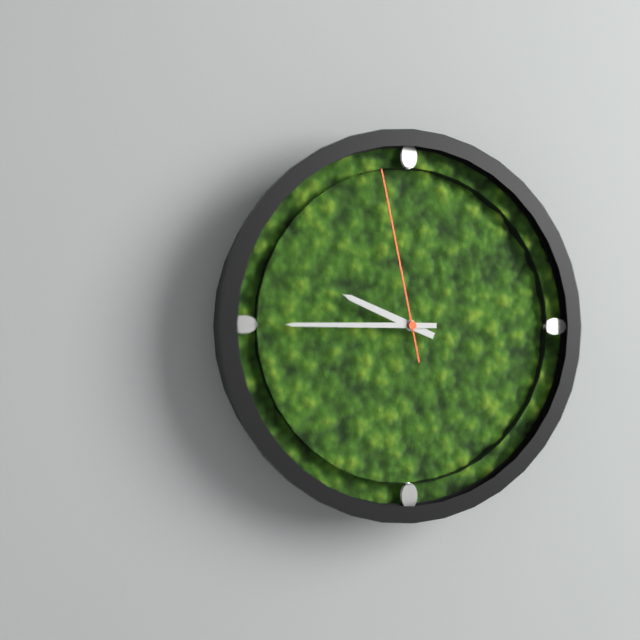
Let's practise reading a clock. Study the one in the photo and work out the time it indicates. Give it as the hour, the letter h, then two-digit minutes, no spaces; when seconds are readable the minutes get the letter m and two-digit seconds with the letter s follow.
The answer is 9h45m58s
